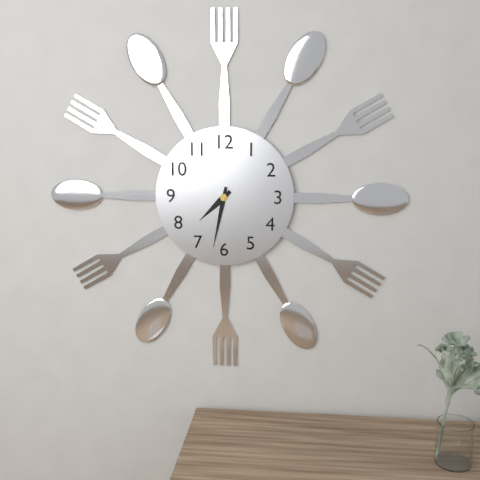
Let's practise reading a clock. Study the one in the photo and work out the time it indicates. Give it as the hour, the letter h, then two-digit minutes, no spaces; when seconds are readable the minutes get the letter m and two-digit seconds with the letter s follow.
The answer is 7h32
